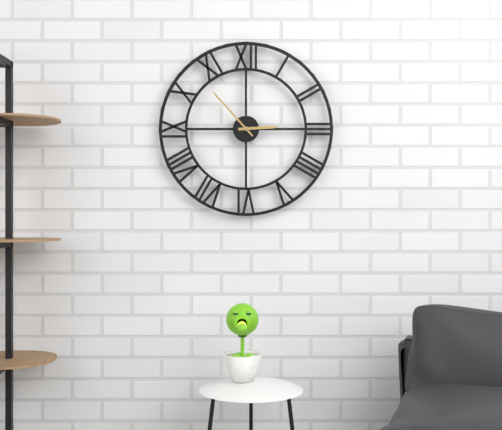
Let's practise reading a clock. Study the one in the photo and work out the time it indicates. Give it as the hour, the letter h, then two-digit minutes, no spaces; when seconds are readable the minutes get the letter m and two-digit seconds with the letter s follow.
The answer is 2h53
